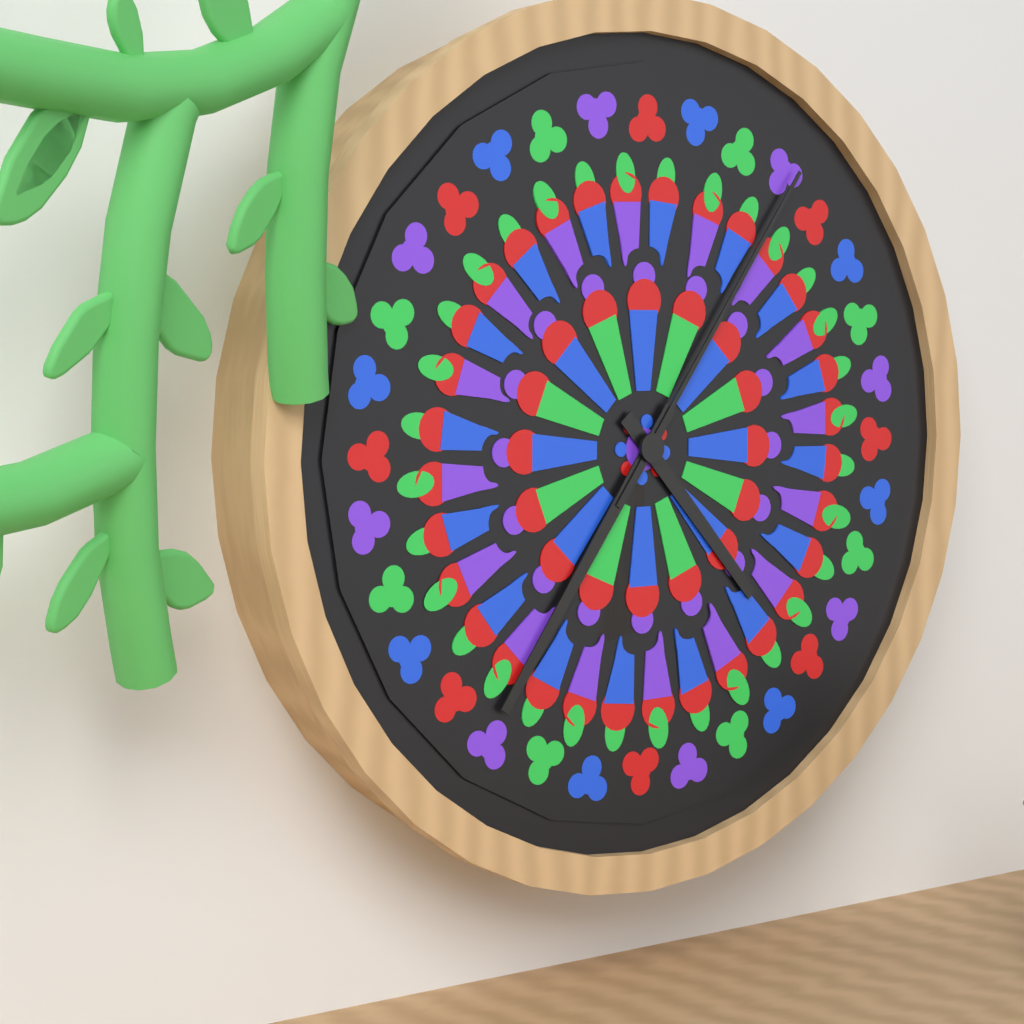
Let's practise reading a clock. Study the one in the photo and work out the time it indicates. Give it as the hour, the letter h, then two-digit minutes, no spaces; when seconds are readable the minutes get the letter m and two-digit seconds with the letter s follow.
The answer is 4h36m06s
